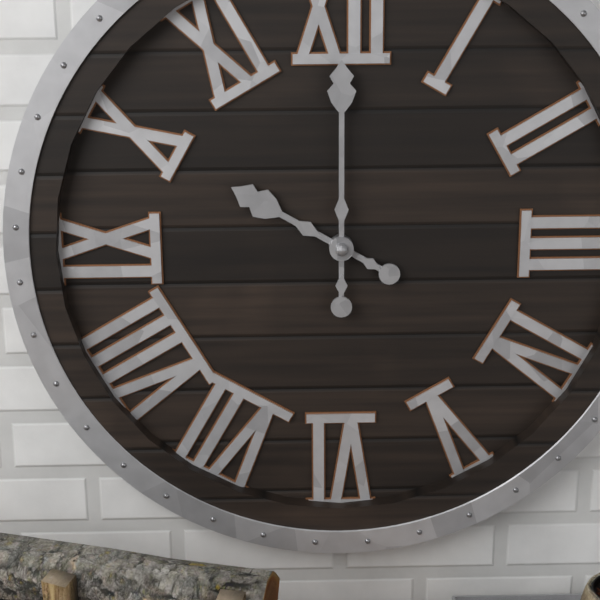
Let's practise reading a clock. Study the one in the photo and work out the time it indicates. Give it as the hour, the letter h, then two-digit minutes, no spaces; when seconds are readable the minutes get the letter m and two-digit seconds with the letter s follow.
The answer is 10h00
